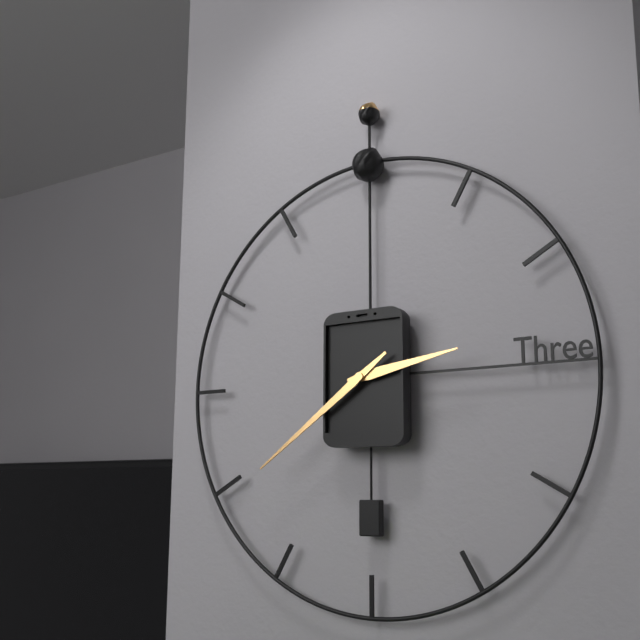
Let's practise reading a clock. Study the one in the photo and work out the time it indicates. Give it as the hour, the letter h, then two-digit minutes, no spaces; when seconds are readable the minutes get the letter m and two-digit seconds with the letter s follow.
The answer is 2h39
